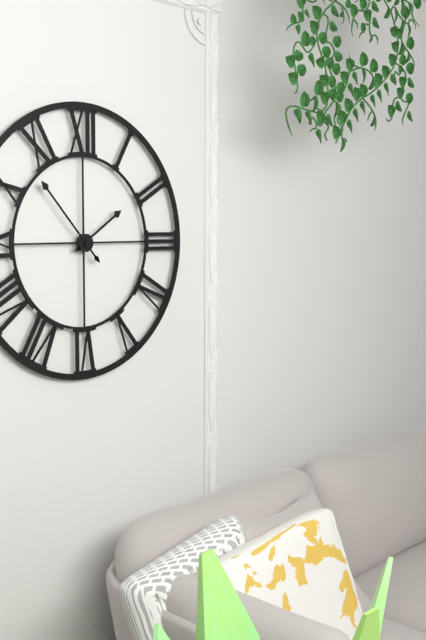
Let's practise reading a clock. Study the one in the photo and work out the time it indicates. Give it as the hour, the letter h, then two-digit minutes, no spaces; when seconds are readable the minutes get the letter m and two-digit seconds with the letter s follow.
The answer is 1h53
